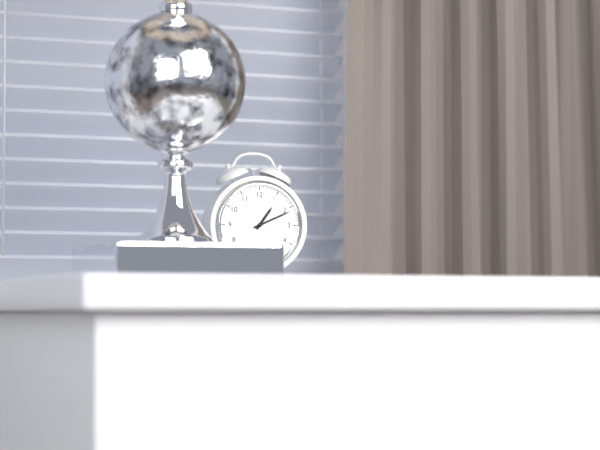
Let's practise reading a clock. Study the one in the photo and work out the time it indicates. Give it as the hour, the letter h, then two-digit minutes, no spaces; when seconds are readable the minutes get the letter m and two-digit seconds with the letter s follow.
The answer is 1h11
